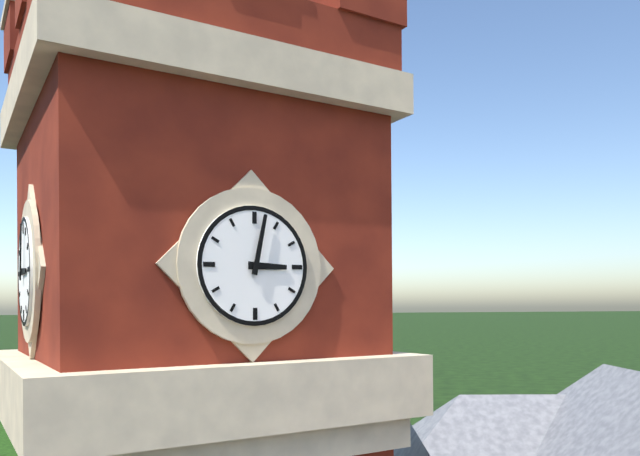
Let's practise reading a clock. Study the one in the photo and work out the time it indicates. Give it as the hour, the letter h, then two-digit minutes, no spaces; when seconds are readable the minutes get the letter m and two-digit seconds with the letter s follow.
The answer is 3h02
